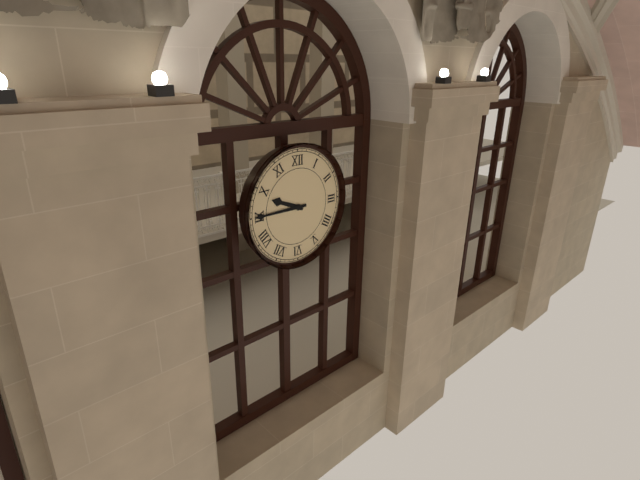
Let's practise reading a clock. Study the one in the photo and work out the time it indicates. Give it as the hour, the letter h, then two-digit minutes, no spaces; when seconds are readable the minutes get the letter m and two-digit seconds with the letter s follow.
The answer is 9h45
